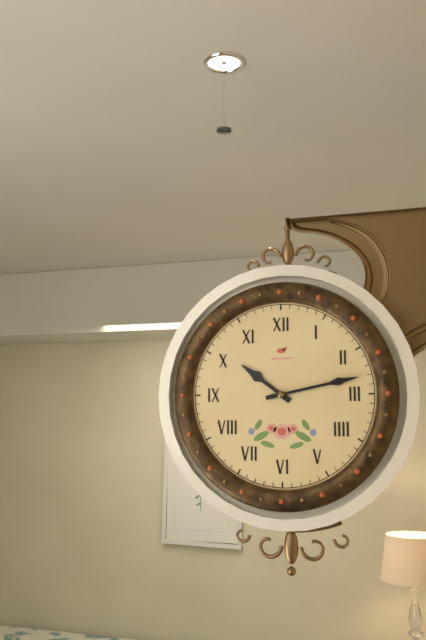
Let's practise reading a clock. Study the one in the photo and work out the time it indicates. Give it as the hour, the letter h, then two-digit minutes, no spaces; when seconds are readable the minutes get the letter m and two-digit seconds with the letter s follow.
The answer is 10h13
